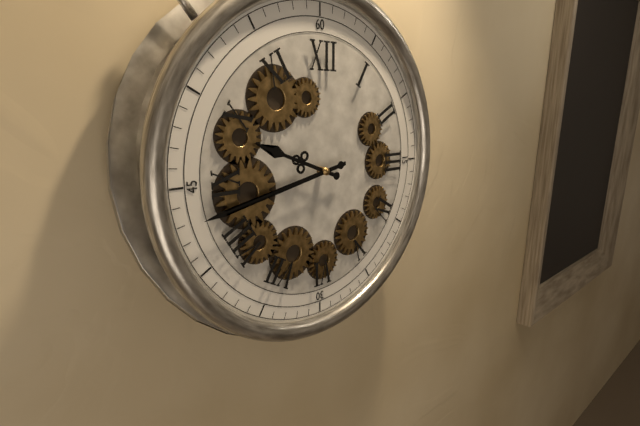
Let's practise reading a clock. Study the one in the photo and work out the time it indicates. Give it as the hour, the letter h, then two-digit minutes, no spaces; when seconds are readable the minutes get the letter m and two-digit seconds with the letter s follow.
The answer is 9h43
